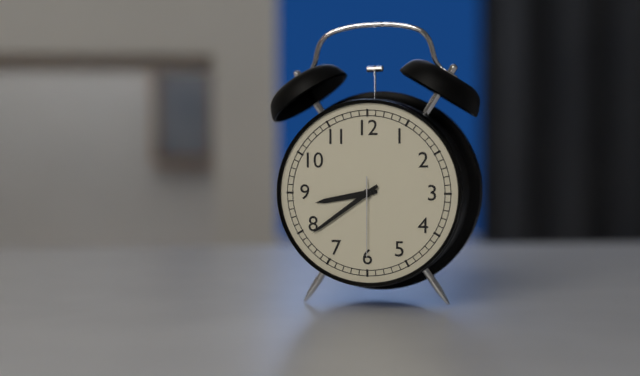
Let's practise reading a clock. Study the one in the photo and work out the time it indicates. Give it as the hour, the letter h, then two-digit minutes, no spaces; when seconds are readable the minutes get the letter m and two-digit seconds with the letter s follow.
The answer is 8h39m30s
